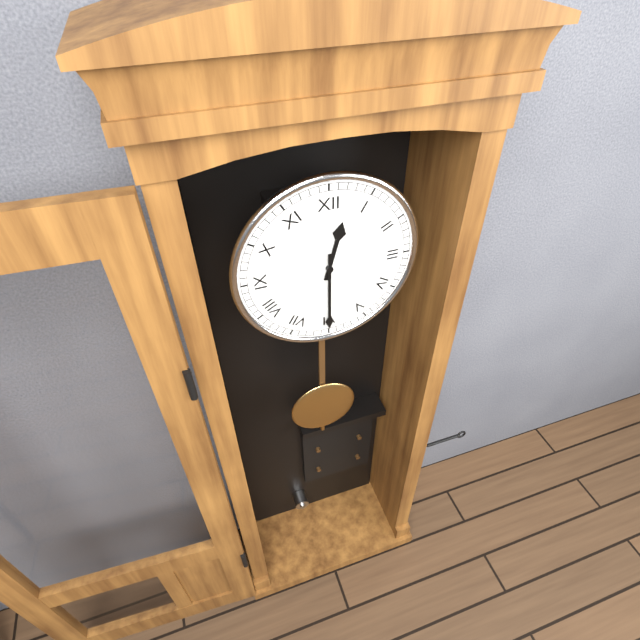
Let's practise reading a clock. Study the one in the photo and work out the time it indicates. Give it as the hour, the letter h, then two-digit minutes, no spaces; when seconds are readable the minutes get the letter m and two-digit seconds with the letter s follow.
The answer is 12h30
